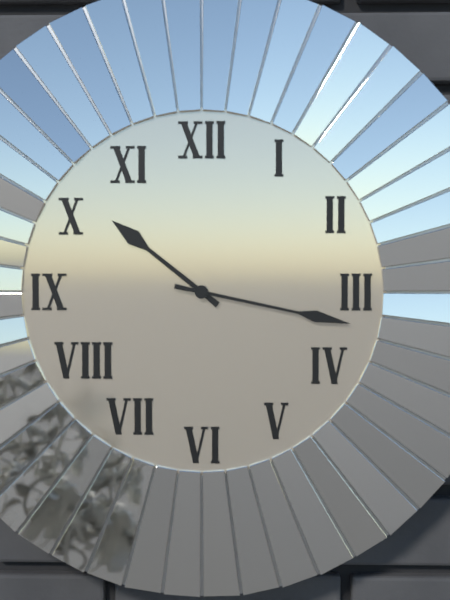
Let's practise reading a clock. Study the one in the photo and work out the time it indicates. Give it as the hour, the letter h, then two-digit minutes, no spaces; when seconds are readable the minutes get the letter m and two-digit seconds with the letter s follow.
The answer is 10h17
